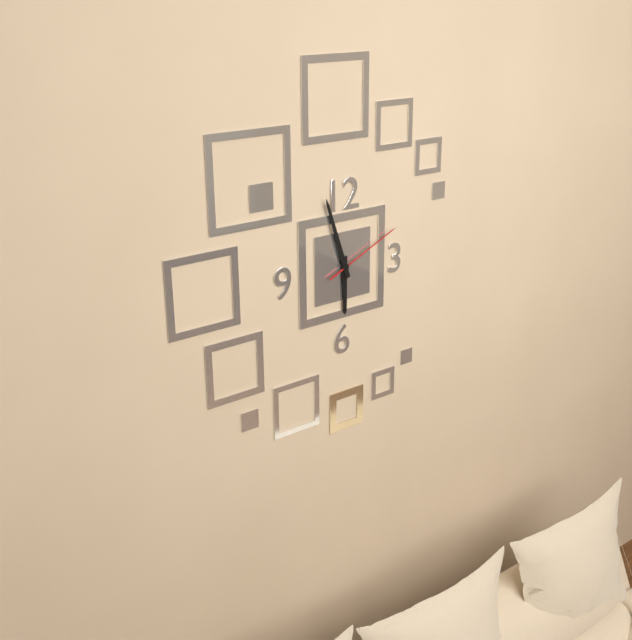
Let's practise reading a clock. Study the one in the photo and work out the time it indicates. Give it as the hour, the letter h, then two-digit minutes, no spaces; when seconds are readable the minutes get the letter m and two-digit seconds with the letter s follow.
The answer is 5h57m11s
